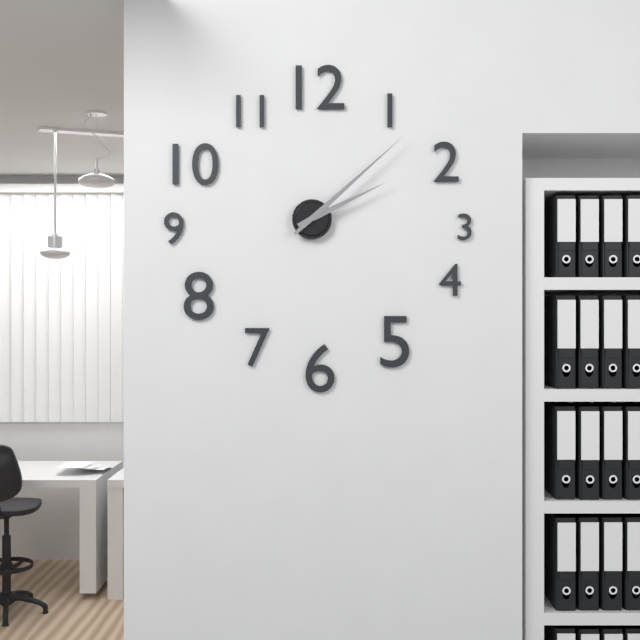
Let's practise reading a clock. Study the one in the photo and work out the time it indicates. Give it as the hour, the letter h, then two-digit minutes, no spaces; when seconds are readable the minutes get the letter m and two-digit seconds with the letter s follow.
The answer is 2h08
